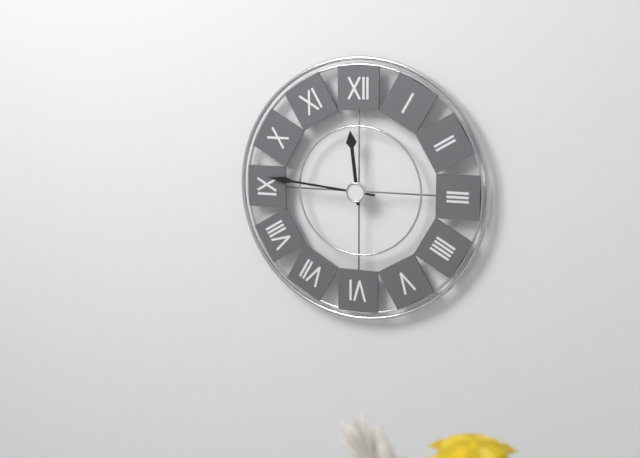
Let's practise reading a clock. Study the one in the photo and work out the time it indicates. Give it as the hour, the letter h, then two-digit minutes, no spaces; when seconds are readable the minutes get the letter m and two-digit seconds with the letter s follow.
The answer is 11h46
